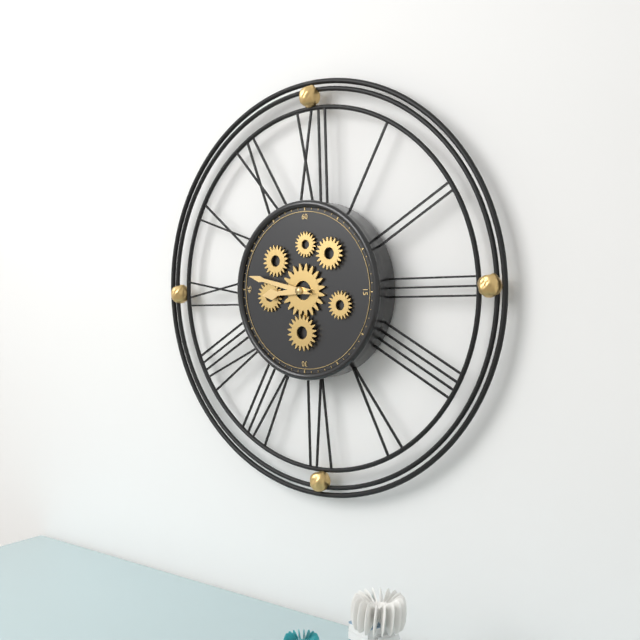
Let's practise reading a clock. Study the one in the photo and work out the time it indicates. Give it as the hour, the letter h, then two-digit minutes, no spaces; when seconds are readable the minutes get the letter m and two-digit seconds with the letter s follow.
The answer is 8h47
